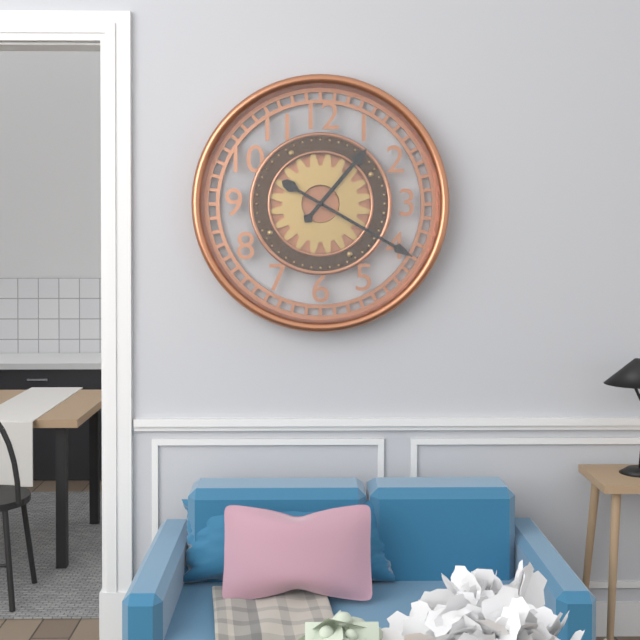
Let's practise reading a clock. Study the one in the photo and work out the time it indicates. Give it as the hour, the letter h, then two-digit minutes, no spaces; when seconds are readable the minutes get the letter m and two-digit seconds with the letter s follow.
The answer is 1h20
